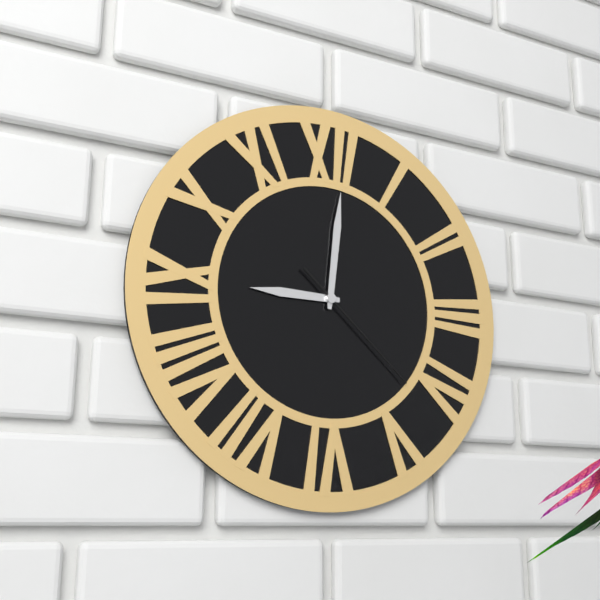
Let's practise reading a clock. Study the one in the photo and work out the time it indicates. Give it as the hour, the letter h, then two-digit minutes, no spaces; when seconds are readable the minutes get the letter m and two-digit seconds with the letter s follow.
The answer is 9h01m22s
